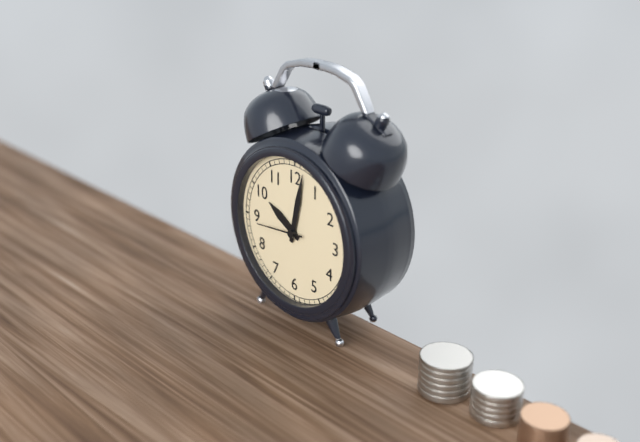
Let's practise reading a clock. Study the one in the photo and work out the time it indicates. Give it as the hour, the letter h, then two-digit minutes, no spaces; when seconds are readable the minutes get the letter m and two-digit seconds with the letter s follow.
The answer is 10h02
